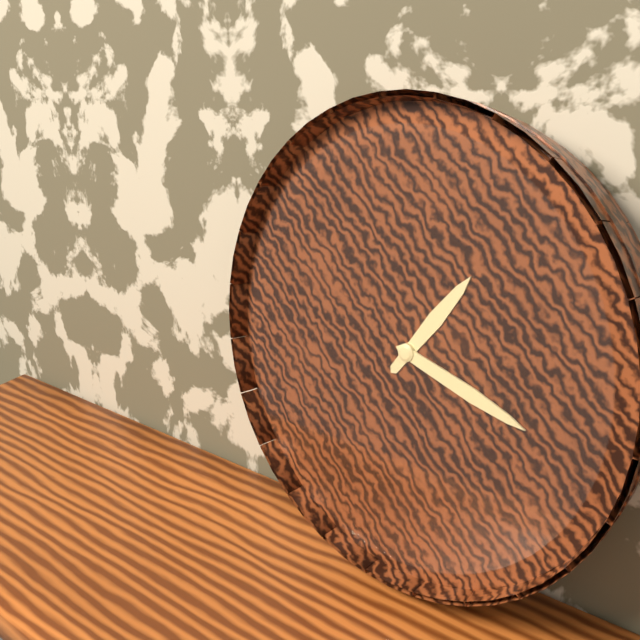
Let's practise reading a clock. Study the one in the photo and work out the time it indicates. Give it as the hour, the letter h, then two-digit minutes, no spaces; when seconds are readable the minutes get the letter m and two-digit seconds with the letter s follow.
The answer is 1h18
